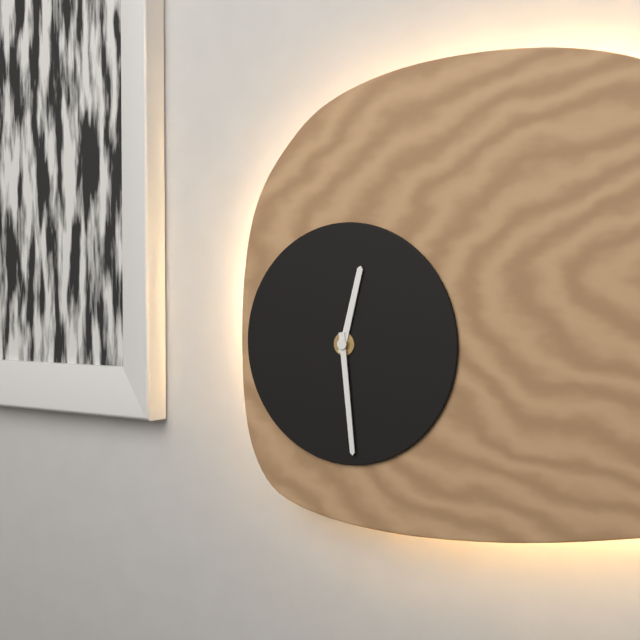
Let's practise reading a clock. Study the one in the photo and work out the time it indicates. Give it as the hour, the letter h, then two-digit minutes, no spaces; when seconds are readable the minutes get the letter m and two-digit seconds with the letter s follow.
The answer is 12h29
